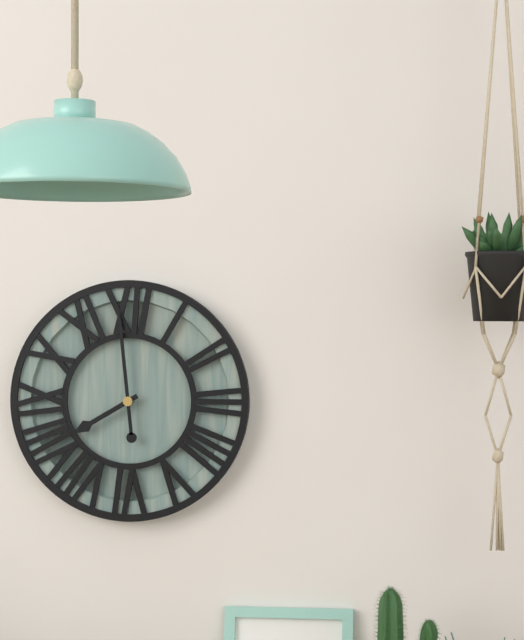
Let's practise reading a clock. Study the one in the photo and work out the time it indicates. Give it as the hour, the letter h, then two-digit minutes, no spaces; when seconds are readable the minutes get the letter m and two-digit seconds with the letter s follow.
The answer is 7h59
